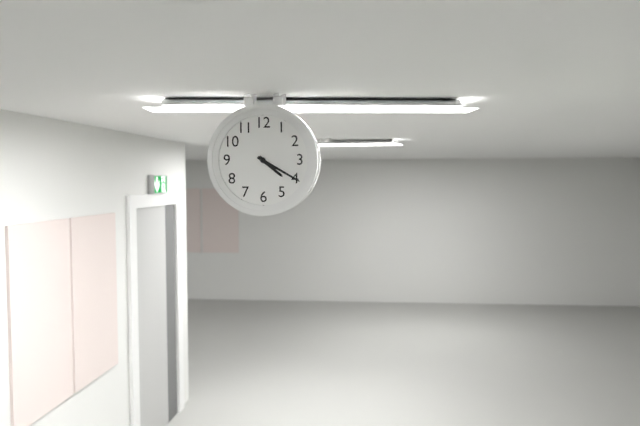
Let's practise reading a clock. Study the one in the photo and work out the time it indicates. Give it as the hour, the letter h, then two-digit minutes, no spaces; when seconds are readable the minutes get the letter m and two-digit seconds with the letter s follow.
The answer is 4h20
